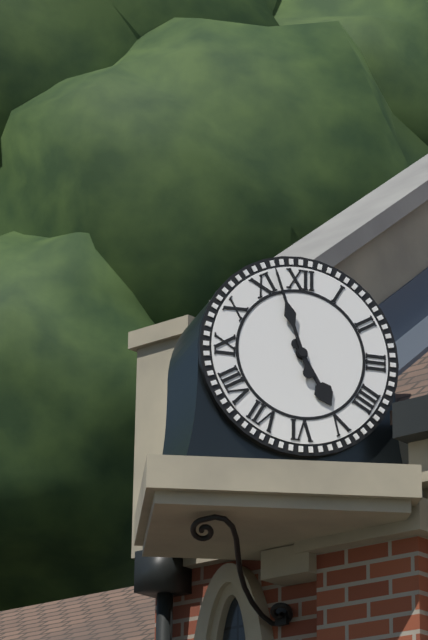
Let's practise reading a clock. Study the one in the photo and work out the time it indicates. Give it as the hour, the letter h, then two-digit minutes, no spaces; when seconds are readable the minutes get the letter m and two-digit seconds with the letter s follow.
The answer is 4h57
